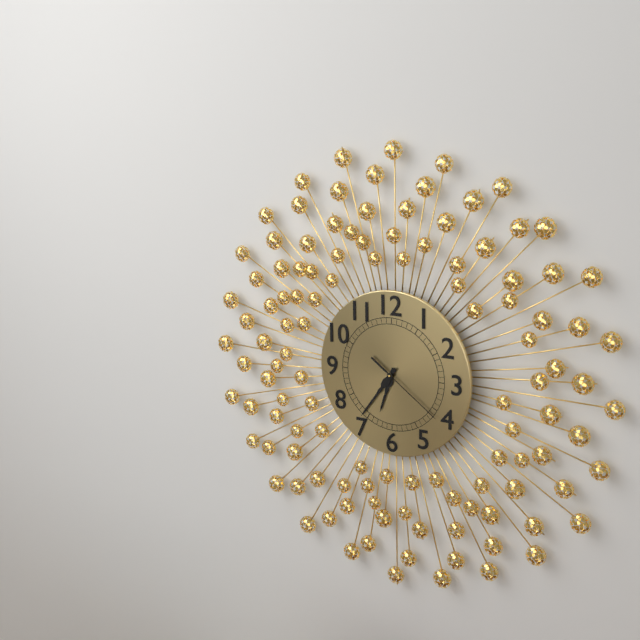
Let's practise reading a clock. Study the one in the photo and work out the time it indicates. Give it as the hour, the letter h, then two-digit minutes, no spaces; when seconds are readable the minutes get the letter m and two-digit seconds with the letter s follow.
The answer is 6h36m21s
